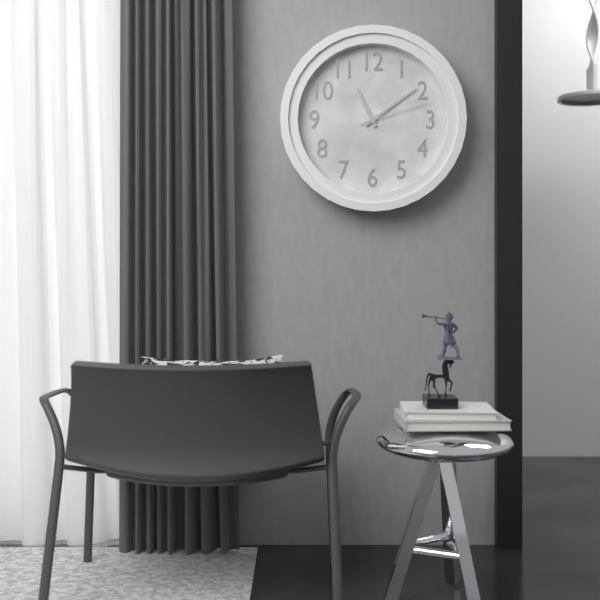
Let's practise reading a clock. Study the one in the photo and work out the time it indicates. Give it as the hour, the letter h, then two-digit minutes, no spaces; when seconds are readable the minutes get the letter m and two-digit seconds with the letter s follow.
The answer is 11h09m12s
